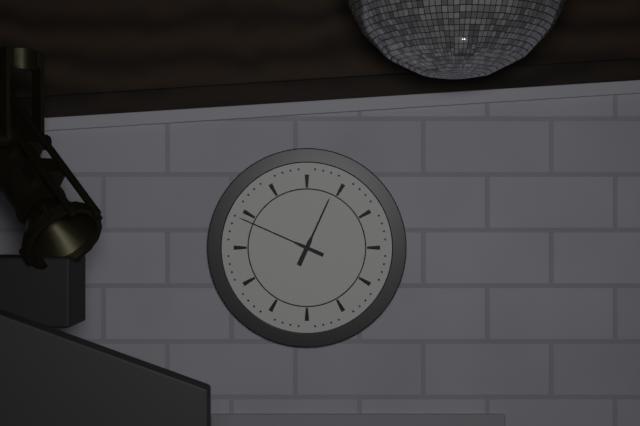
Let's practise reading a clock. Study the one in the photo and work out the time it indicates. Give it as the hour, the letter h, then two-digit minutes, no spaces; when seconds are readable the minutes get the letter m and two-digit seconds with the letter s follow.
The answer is 12h49
